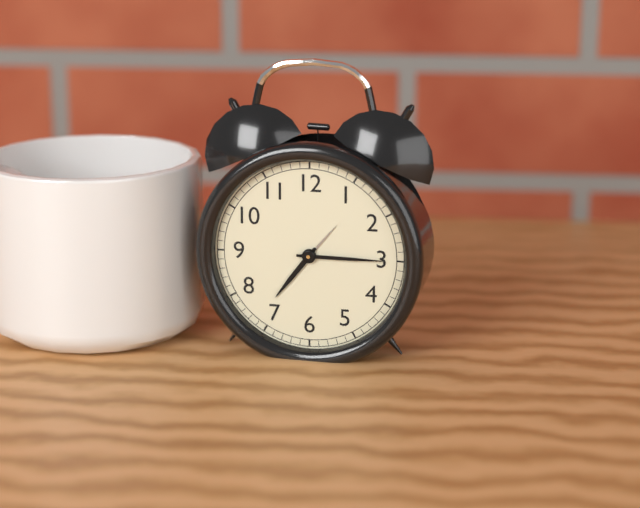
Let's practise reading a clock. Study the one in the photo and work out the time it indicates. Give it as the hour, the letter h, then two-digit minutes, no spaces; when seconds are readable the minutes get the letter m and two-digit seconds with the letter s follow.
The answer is 7h15
